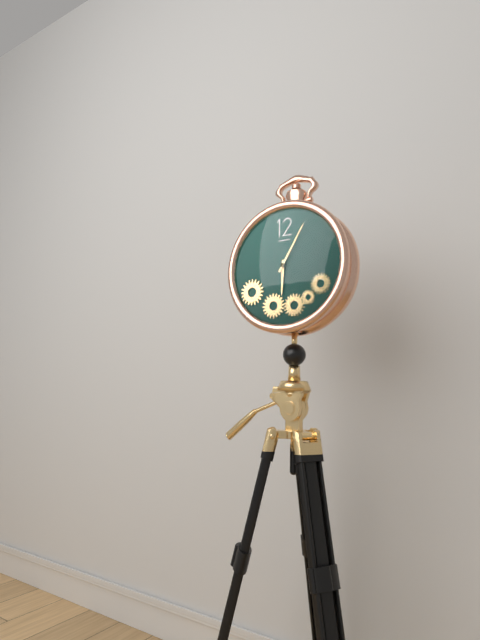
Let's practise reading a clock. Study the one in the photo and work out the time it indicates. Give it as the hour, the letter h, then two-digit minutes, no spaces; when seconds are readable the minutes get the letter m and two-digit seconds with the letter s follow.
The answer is 6h05
